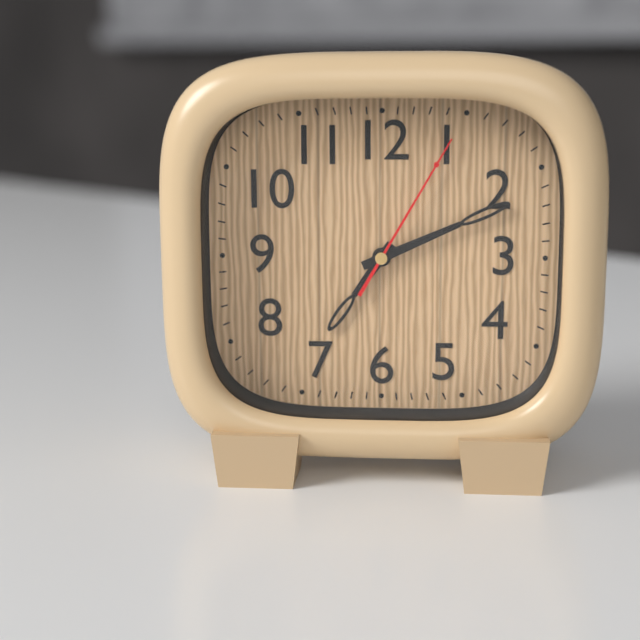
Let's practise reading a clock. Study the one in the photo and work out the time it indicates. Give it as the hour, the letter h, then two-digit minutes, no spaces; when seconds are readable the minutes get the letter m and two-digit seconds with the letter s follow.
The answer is 7h11m05s
